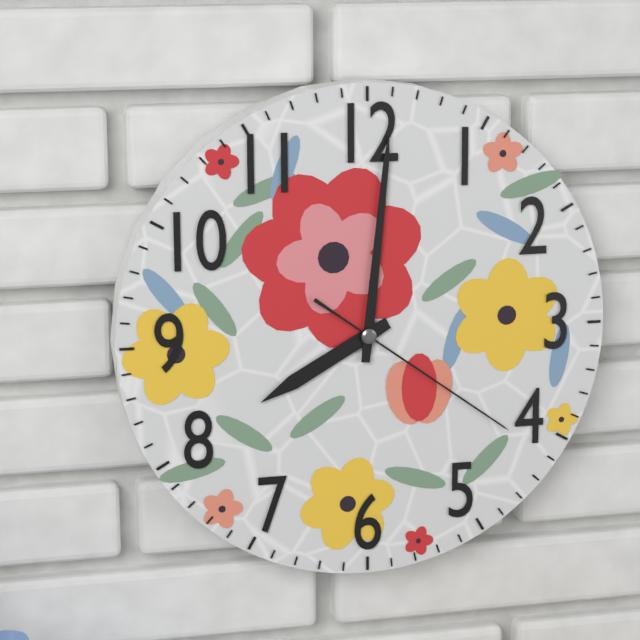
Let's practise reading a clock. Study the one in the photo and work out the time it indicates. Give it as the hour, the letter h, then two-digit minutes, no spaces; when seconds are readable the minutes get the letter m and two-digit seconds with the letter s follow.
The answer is 8h01m21s
